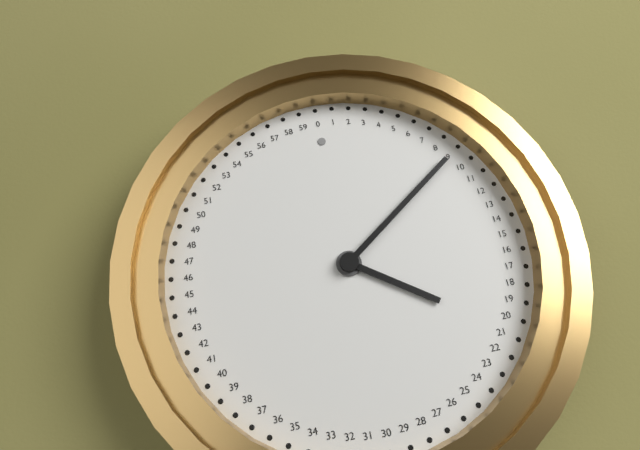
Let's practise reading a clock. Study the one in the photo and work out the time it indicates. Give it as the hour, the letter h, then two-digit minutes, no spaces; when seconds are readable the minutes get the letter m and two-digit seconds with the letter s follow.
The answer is 4h09
